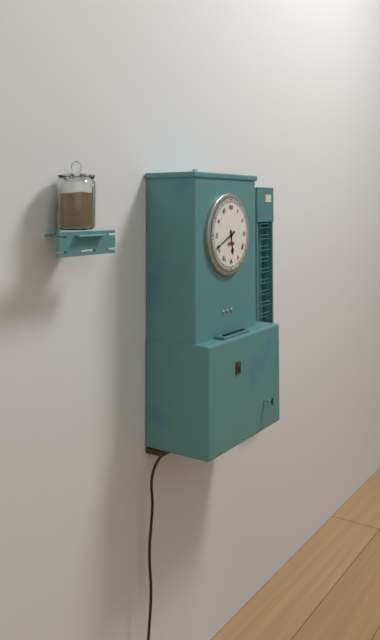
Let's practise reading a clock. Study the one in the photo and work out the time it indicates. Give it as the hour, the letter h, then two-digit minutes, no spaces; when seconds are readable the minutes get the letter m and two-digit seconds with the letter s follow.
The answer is 5h41
